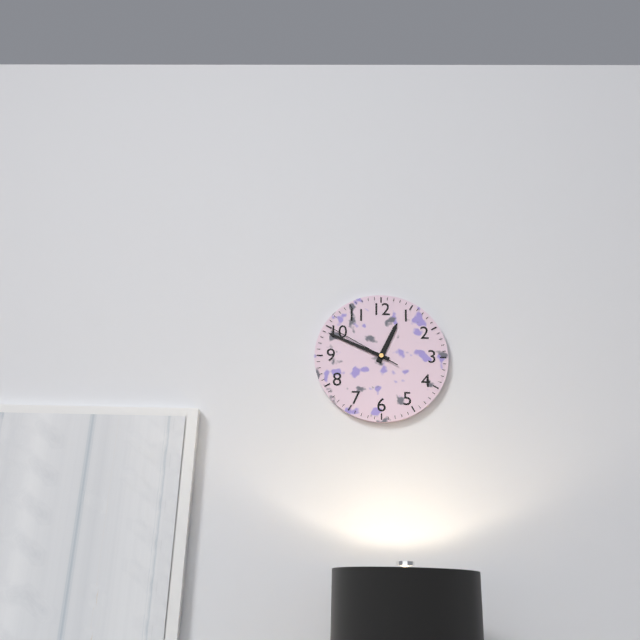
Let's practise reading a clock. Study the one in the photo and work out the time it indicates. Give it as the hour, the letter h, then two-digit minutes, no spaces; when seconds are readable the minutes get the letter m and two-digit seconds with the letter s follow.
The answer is 12h49m50s
